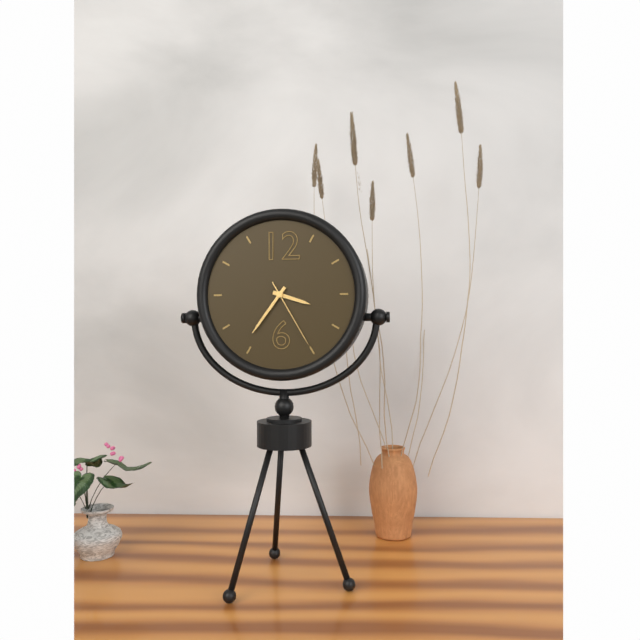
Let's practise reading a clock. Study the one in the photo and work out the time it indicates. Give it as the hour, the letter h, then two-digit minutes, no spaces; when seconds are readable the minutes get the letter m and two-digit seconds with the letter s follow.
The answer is 3h36m25s
